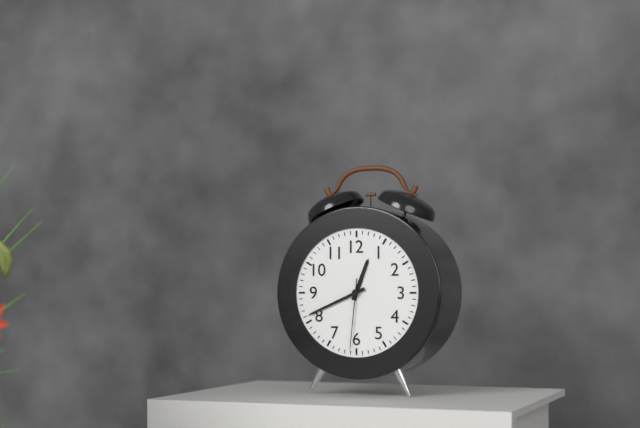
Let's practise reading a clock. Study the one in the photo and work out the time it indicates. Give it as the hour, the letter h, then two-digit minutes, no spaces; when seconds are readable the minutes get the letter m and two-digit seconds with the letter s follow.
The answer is 12h41m31s
